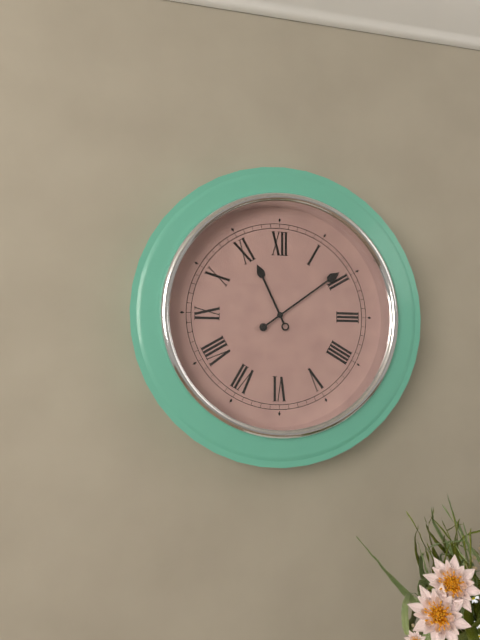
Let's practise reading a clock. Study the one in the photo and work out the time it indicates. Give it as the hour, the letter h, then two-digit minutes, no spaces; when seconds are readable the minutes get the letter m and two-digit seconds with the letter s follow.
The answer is 11h09
